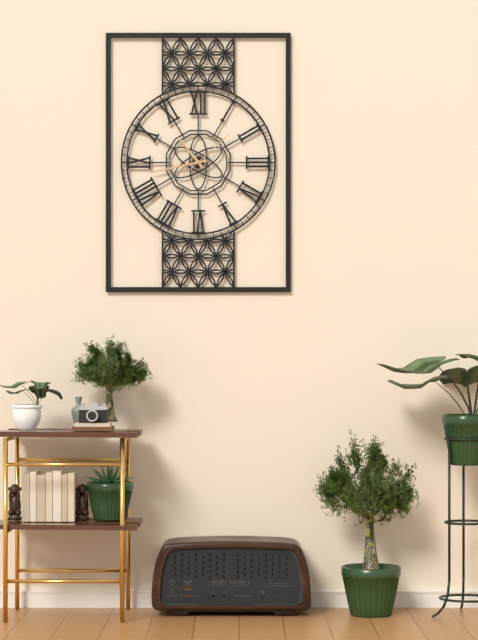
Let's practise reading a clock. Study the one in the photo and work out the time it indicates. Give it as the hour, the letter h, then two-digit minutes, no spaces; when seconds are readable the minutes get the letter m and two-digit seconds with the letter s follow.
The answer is 10h43m08s
